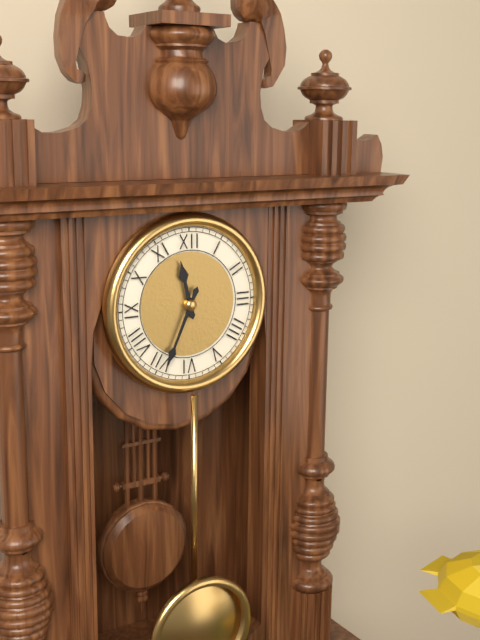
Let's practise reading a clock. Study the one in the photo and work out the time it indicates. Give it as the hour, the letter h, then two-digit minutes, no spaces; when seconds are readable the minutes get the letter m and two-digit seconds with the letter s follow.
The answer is 11h34
